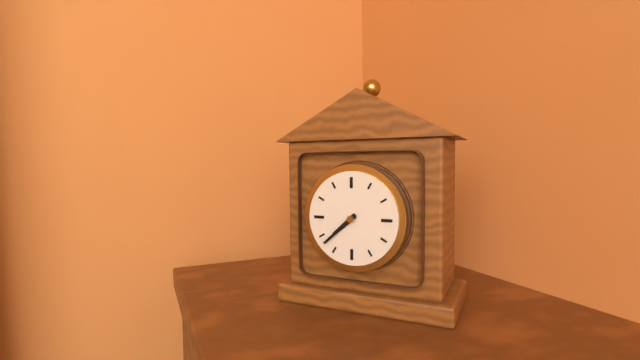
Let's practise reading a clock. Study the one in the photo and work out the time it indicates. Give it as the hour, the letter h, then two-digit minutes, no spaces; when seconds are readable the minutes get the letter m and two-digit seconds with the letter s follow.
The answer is 7h38
